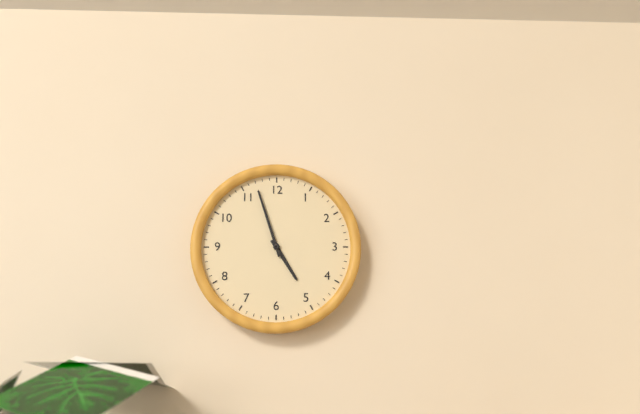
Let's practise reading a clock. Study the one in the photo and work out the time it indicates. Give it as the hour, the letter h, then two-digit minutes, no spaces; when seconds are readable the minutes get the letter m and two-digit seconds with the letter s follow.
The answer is 4h57
